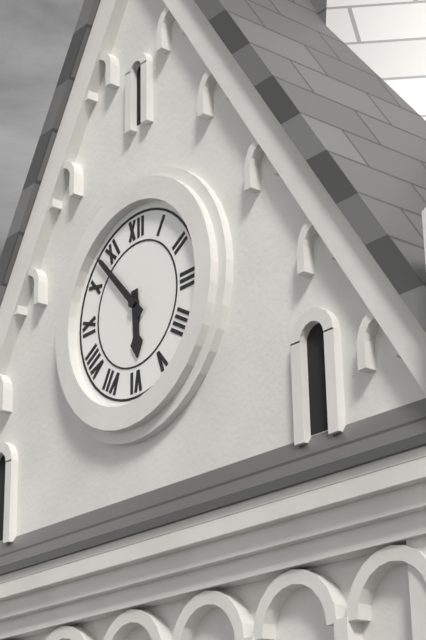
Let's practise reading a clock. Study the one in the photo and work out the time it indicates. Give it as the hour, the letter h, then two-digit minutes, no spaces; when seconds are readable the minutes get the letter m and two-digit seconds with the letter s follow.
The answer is 5h53
